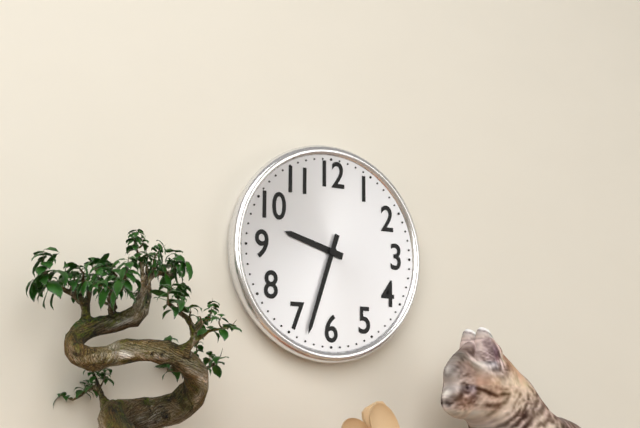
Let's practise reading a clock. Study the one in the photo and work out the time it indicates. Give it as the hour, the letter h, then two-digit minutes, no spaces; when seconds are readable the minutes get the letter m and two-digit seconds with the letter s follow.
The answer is 9h33
